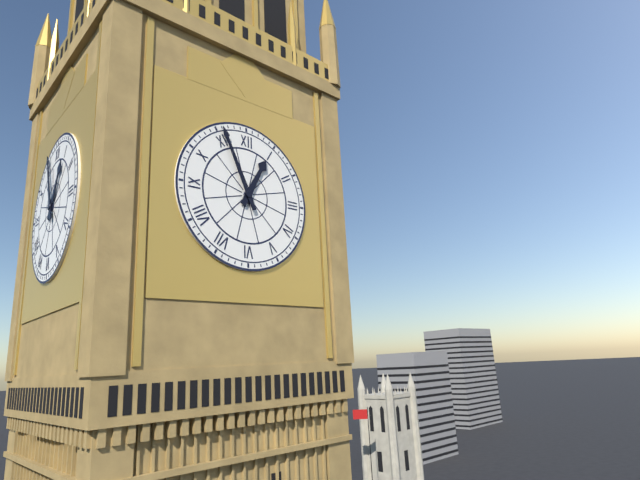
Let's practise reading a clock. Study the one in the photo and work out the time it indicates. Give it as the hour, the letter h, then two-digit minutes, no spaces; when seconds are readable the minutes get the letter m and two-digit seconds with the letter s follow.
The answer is 12h56
